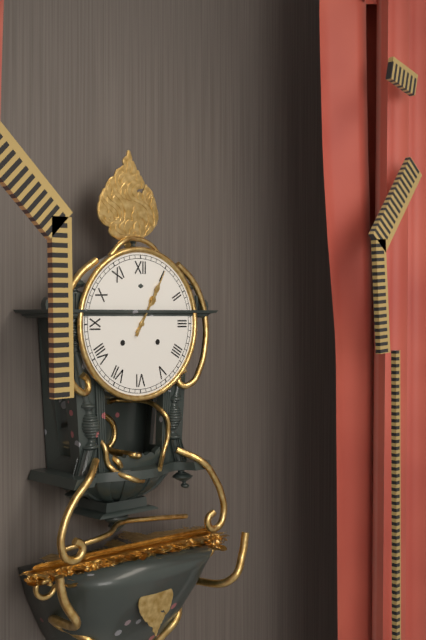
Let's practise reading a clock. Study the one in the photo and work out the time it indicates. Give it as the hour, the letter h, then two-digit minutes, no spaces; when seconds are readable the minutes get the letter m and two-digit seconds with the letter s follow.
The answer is 1h05
